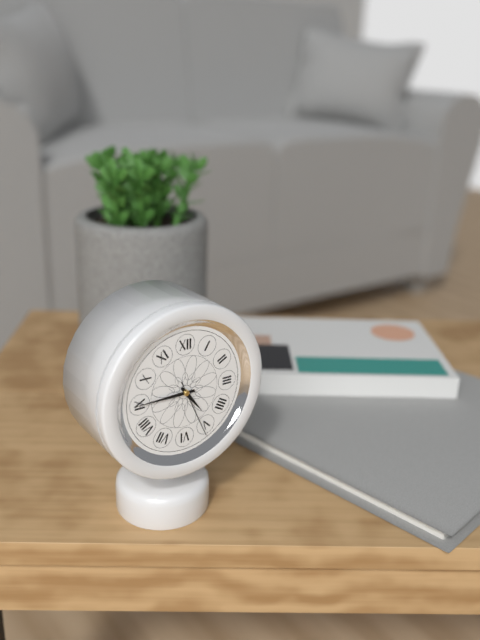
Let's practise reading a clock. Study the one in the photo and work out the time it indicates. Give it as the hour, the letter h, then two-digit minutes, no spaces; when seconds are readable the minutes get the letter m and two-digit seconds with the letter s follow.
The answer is 4h45m26s
